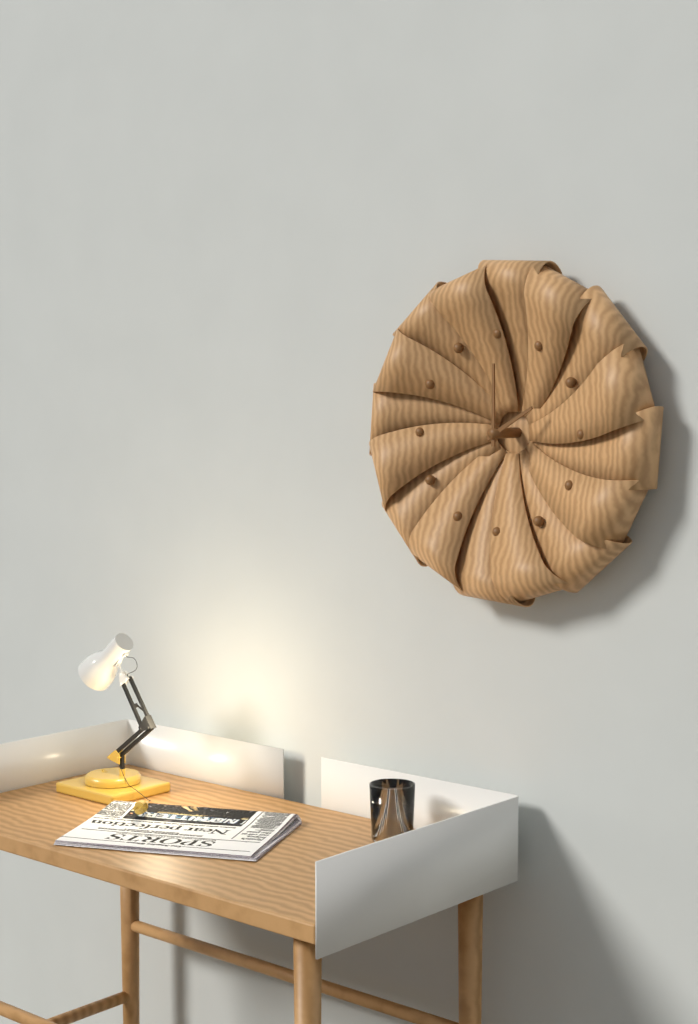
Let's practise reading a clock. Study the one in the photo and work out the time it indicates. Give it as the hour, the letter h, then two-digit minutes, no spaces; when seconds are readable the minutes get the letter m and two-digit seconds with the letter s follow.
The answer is 2h00
